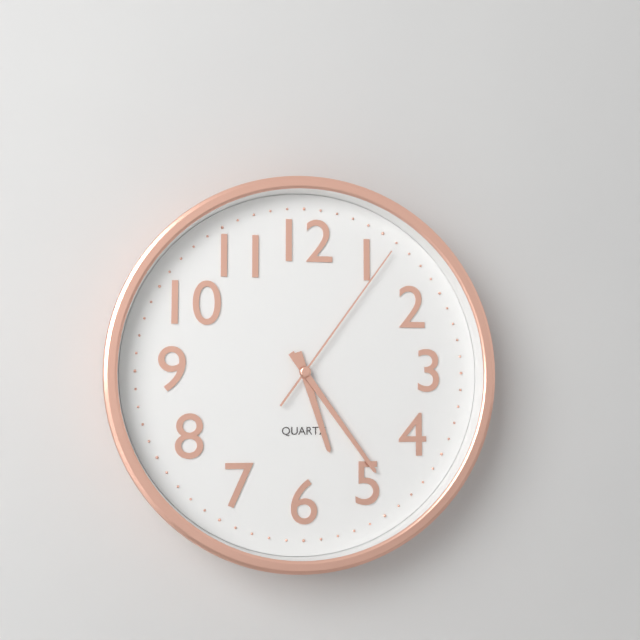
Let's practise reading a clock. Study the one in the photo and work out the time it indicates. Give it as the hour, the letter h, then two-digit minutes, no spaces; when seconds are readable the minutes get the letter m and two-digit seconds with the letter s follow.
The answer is 5h24m06s
